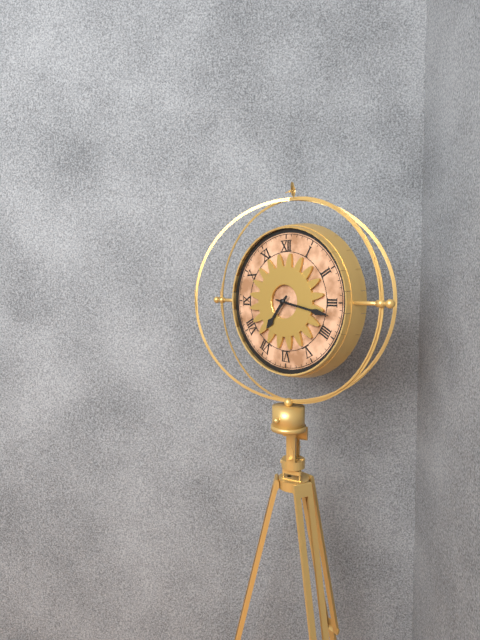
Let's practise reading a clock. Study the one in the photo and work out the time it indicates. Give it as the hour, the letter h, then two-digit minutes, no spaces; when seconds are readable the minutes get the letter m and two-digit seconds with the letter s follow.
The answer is 7h17
